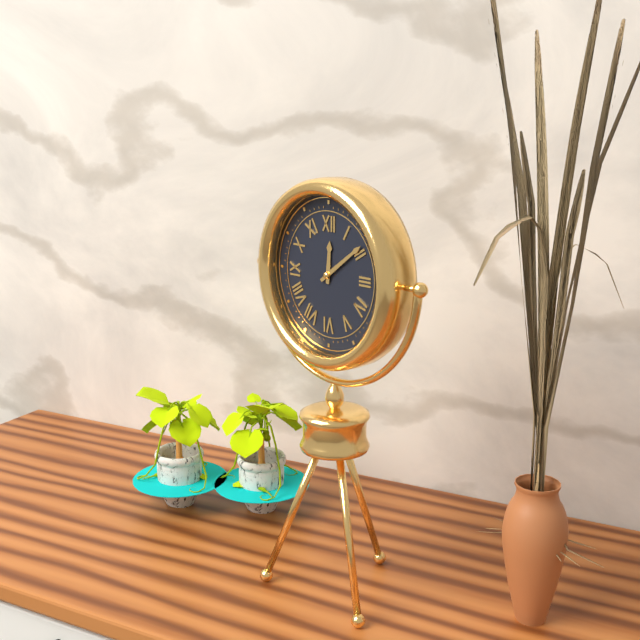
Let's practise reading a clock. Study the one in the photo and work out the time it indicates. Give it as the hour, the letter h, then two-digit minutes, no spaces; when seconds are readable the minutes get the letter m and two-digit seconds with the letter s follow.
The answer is 12h09
